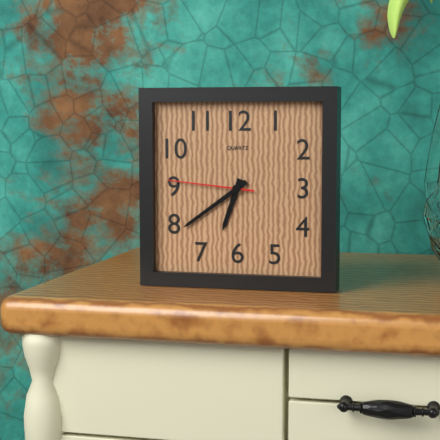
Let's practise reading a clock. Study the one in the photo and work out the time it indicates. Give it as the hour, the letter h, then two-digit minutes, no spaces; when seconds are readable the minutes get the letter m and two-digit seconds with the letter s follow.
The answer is 6h39m46s
